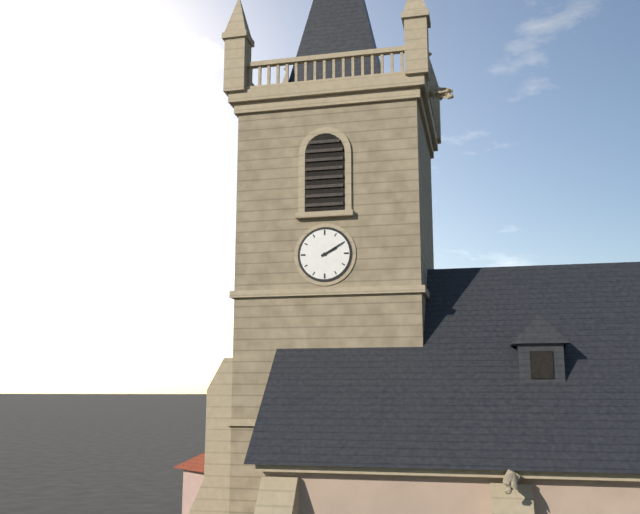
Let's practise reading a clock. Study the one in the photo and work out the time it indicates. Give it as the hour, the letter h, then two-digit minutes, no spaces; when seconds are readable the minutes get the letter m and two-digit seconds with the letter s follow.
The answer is 2h10
